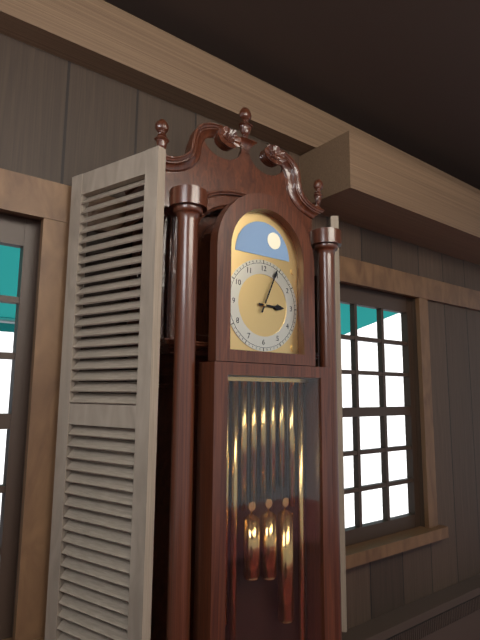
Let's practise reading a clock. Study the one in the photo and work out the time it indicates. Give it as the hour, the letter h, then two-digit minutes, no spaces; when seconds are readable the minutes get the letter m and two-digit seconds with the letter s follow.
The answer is 3h04
